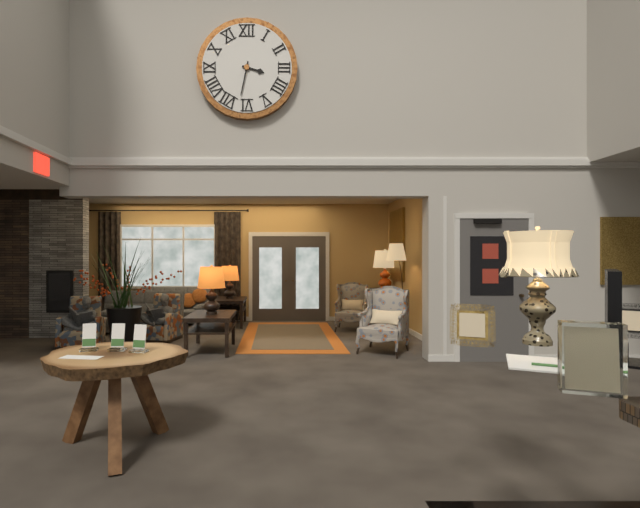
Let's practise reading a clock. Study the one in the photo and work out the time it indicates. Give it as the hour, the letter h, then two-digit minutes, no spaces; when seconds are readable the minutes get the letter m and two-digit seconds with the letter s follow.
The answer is 3h32
